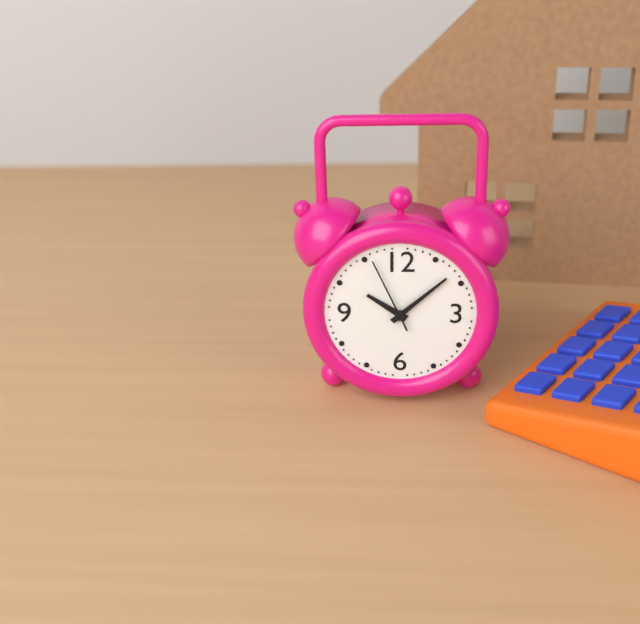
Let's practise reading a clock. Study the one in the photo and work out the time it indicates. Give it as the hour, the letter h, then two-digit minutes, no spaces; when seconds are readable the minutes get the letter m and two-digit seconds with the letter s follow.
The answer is 10h08m56s
